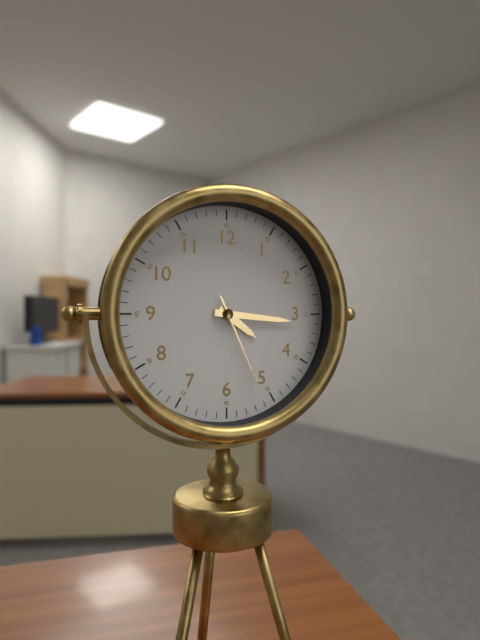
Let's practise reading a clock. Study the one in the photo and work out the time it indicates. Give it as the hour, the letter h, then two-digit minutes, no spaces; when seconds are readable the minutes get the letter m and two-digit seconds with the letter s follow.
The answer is 4h16m26s
